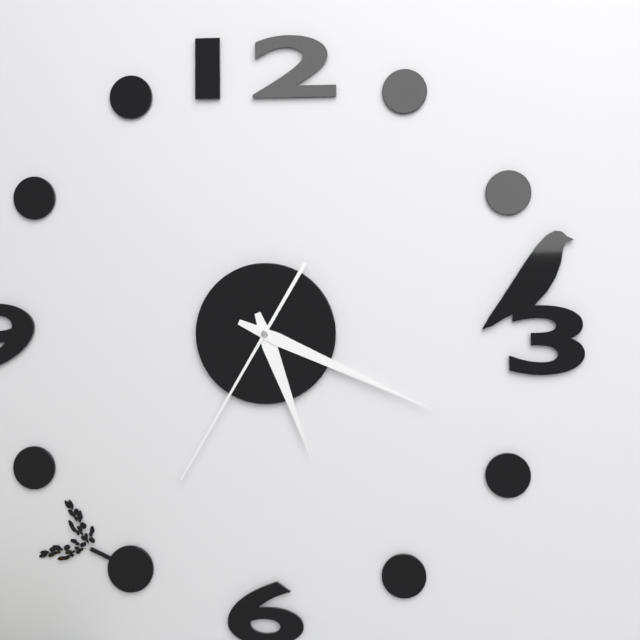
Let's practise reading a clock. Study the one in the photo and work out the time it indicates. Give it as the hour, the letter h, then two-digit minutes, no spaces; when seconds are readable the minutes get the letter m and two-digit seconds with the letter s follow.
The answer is 5h19m35s
